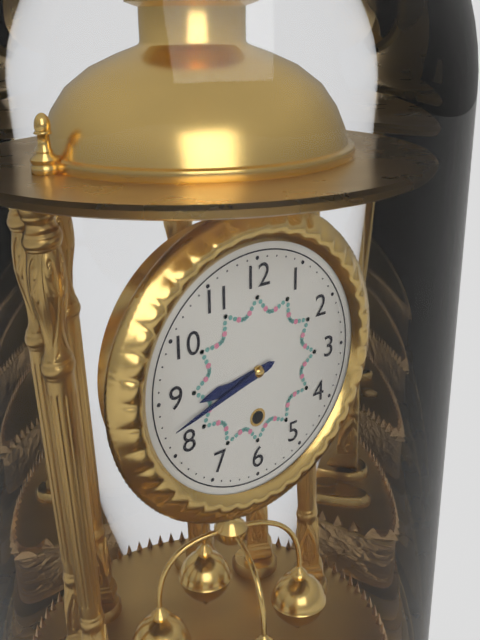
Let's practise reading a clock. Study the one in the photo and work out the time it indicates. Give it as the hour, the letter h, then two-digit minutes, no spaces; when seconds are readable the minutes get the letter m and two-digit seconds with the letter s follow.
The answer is 8h42
